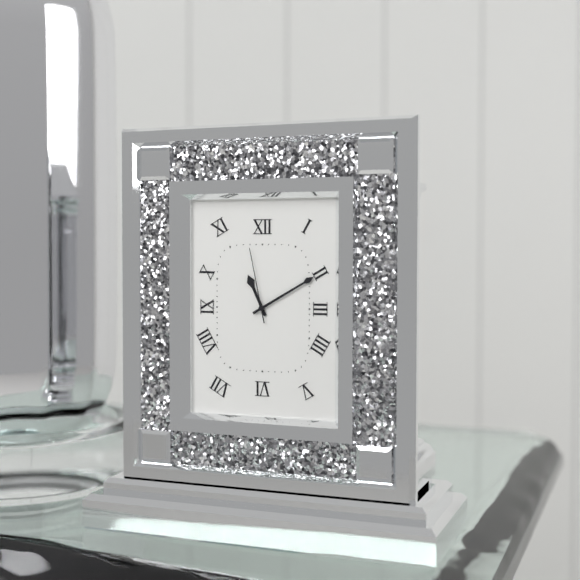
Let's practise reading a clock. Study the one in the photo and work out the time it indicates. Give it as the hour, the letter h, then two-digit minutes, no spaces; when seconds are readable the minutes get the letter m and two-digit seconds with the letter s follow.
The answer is 11h10m58s
